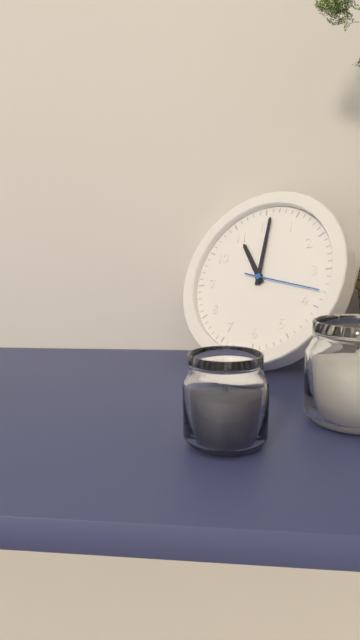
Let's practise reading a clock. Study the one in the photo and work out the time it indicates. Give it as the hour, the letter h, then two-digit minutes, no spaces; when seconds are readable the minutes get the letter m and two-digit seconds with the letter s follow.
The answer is 11h01m18s
